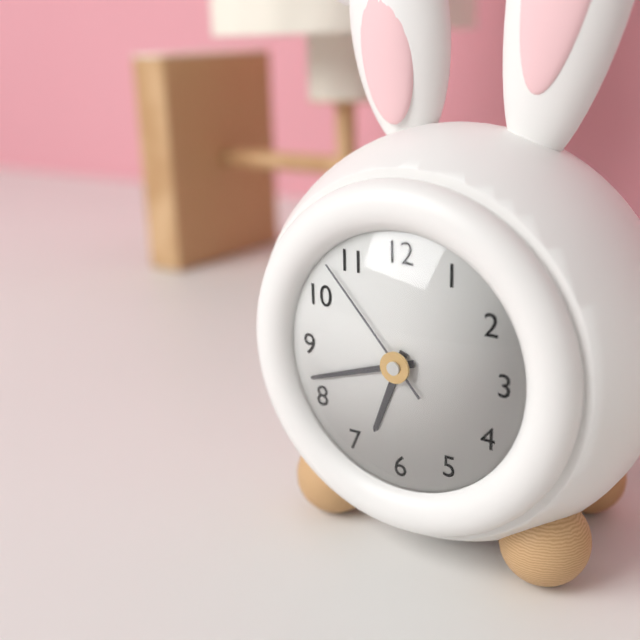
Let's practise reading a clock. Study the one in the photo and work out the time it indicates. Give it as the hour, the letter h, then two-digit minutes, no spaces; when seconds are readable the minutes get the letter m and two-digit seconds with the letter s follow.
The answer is 6h42m53s
